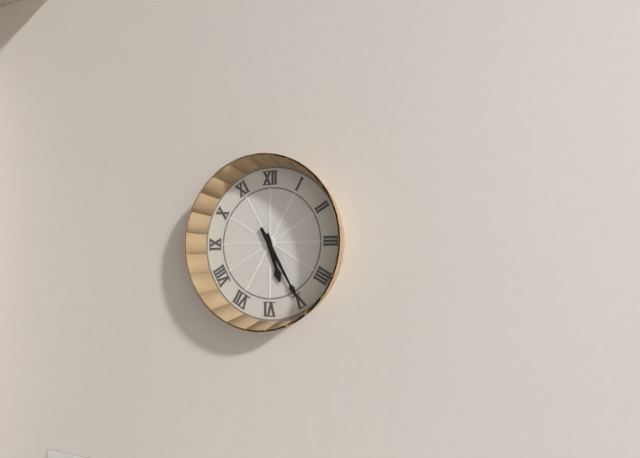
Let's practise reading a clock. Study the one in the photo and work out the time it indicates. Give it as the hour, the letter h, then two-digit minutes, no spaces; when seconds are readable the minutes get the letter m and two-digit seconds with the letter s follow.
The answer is 5h25
